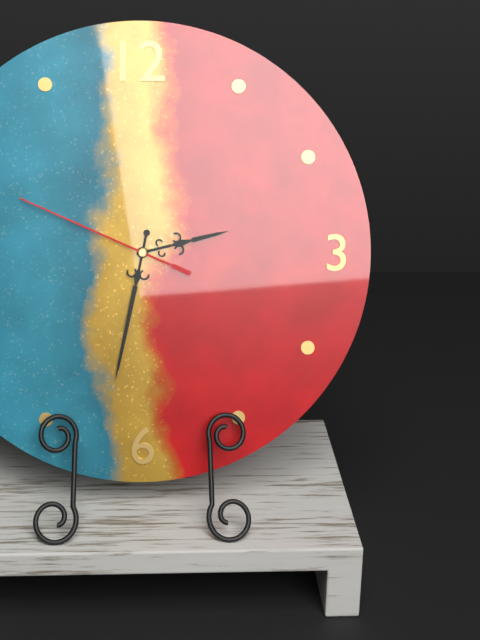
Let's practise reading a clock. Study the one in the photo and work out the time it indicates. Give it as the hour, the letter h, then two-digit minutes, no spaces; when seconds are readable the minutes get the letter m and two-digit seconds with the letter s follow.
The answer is 2h32m49s
